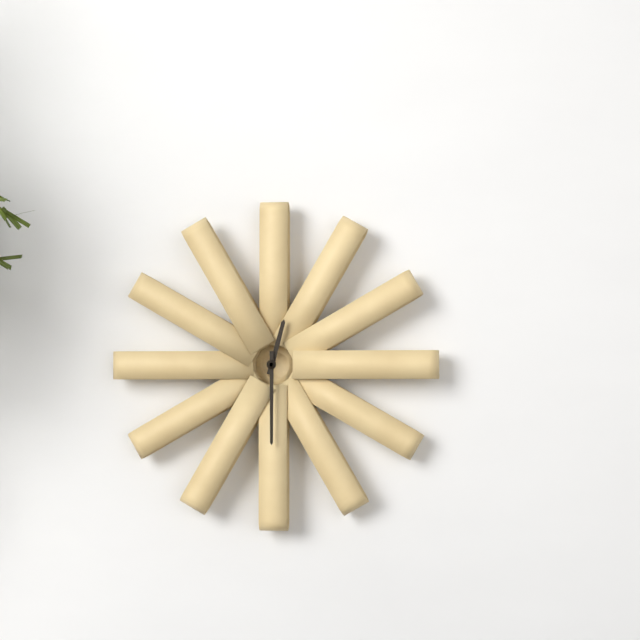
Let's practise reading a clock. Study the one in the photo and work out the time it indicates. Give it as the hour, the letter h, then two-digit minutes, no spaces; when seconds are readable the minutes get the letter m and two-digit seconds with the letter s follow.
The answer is 12h30
